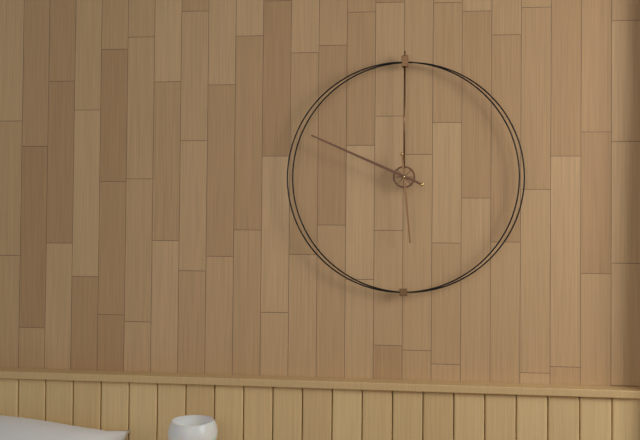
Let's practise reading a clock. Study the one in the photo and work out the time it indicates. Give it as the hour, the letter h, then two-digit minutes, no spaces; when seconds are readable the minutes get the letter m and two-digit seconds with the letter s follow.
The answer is 5h49
